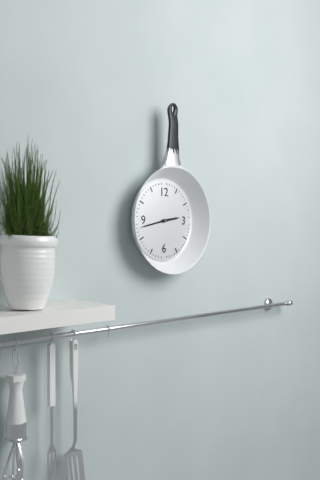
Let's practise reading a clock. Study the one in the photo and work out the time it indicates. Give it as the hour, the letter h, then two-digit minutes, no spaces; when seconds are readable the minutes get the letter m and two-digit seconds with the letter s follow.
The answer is 2h43
